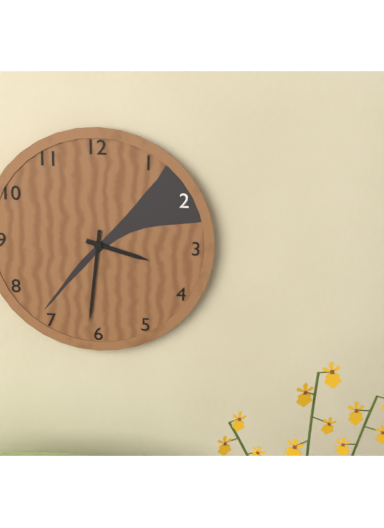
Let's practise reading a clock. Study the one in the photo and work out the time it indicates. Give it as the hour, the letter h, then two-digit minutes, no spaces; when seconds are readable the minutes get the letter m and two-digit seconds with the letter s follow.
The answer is 3h31
